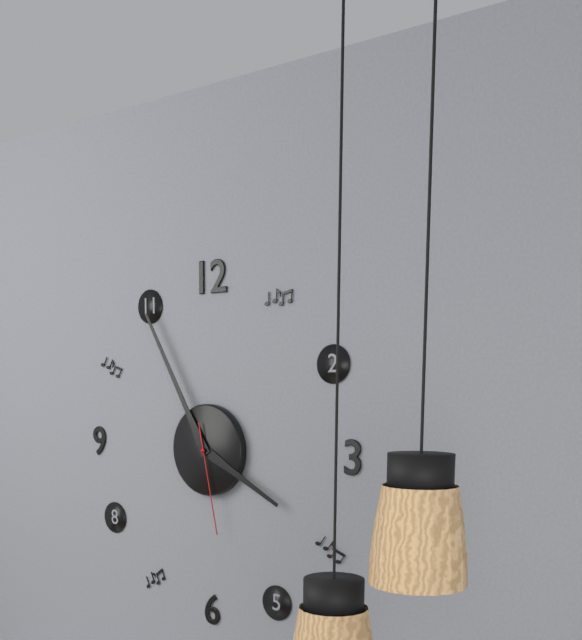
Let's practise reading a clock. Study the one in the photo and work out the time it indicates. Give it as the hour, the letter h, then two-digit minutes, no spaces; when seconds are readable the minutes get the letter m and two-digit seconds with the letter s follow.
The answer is 3h55m28s
